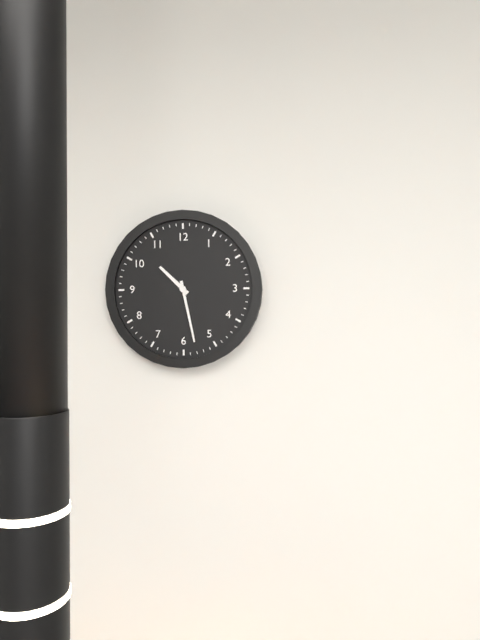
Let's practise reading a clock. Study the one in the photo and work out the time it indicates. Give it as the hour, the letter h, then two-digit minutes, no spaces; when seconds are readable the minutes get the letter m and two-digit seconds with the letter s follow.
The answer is 10h28
